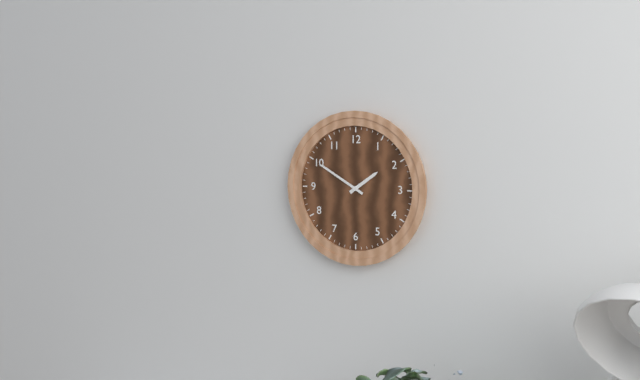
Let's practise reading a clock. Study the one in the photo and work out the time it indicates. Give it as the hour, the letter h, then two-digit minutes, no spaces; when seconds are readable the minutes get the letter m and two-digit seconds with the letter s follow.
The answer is 1h50
